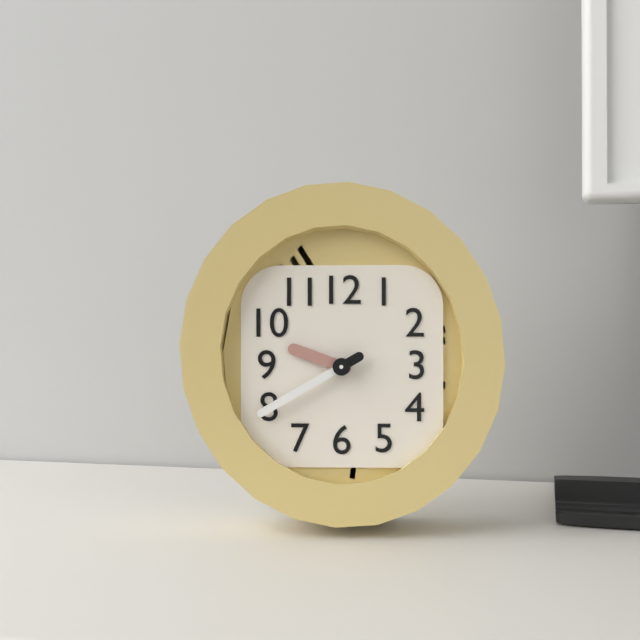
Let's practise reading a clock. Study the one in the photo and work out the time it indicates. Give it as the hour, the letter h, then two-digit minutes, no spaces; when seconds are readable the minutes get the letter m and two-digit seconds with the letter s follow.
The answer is 9h40
